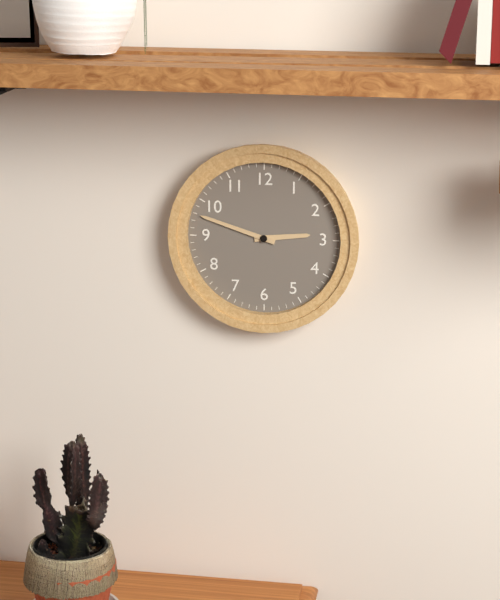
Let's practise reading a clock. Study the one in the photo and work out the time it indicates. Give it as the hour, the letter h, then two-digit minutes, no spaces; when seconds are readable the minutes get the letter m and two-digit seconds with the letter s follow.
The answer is 2h48
